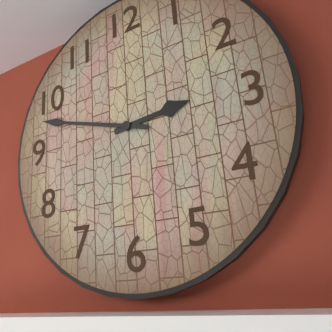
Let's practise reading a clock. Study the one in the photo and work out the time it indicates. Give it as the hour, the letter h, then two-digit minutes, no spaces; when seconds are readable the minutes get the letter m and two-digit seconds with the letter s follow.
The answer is 2h48
